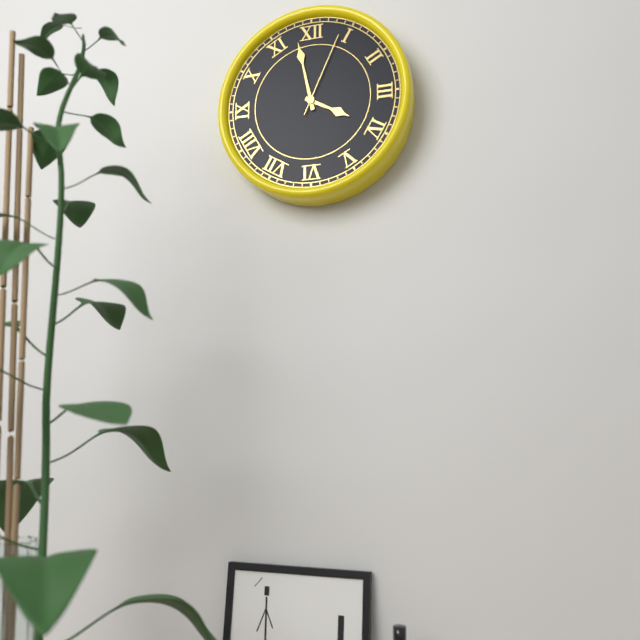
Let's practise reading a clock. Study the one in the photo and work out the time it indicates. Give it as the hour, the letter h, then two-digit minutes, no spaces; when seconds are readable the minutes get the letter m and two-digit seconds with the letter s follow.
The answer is 3h58m04s
